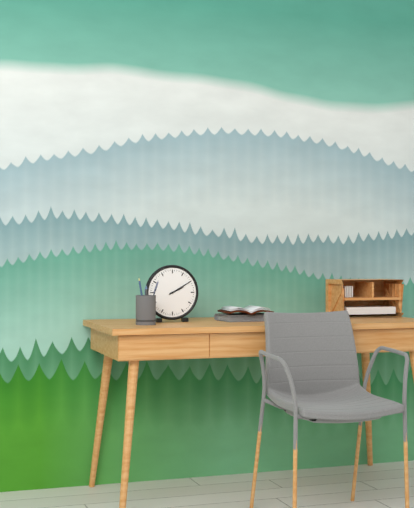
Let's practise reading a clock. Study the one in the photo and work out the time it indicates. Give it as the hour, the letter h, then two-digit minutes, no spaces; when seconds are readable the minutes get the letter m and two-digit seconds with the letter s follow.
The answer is 2h10
